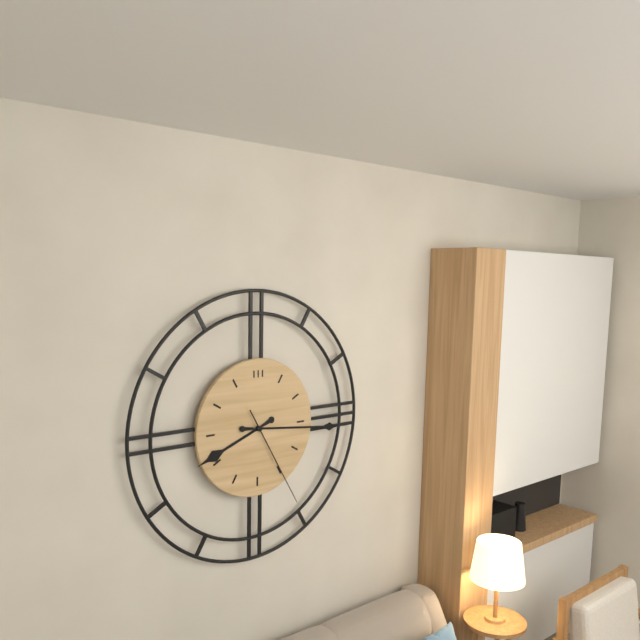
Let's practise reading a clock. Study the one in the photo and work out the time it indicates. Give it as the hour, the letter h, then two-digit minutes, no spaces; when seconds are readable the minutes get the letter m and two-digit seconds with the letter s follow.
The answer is 8h16m25s
